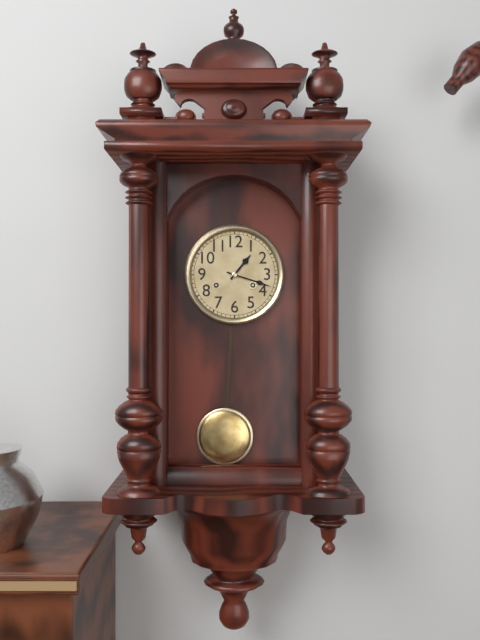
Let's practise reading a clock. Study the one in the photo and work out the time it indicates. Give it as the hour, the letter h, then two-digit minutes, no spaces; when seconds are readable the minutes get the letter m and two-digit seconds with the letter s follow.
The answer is 1h18
